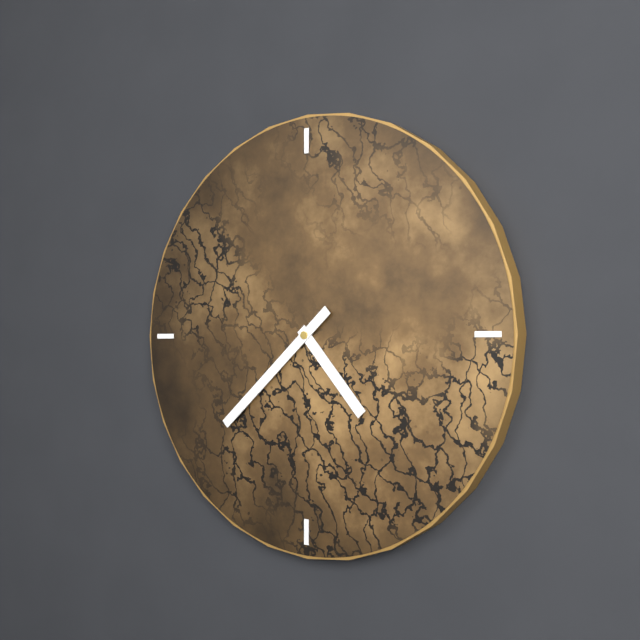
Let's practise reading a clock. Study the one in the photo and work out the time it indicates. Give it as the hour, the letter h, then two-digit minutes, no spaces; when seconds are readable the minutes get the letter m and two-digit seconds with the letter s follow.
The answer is 4h38
